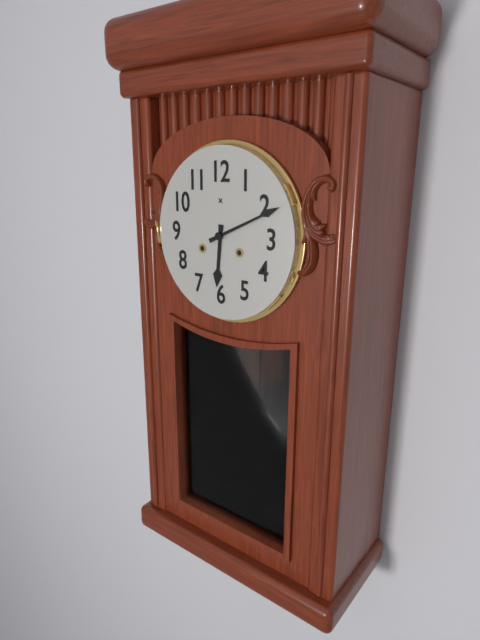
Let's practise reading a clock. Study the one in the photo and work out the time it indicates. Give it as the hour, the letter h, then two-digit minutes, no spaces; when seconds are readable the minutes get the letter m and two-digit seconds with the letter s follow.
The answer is 6h11
